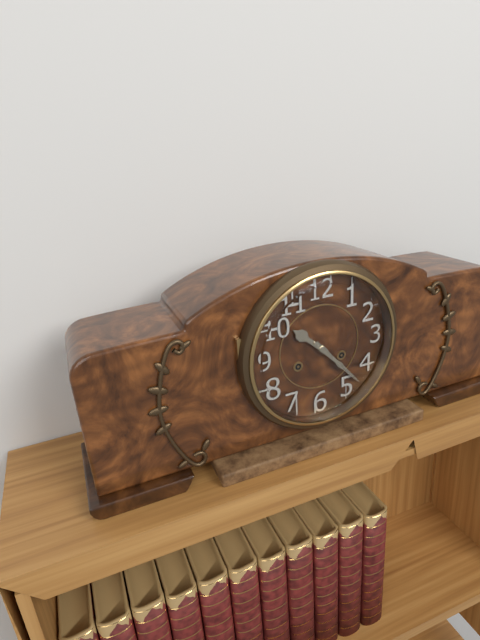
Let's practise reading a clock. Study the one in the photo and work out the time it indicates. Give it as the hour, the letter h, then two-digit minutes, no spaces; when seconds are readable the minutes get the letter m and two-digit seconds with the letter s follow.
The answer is 10h23
